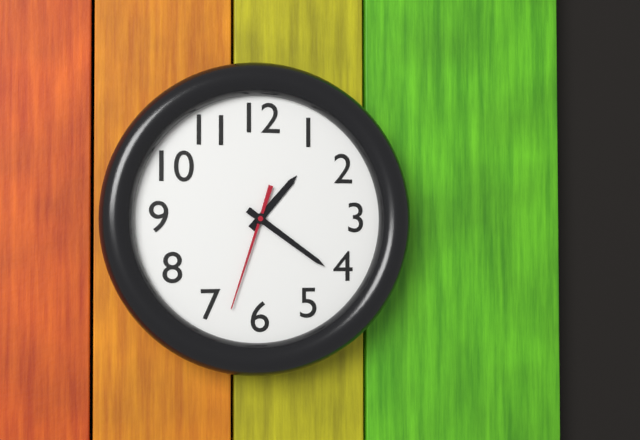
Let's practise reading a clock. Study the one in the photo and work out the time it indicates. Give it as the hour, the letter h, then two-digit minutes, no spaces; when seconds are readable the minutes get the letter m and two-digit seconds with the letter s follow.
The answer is 1h21m33s
